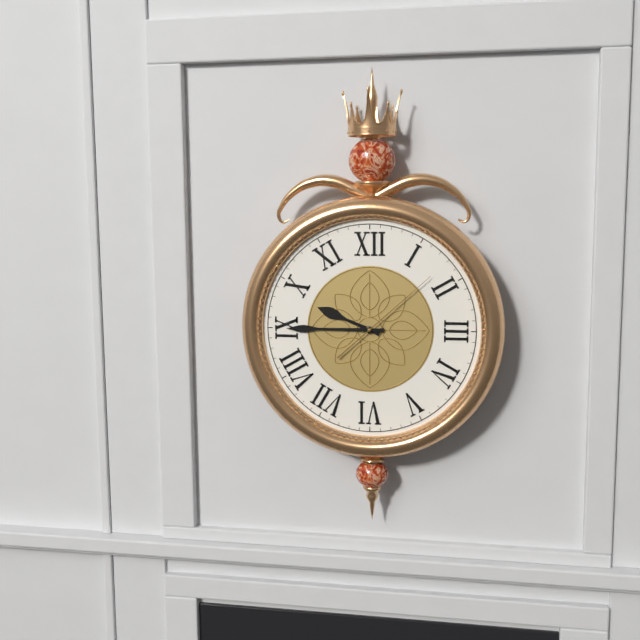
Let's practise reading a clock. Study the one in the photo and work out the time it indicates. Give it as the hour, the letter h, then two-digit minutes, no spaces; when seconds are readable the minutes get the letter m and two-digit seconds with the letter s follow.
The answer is 9h45m08s
